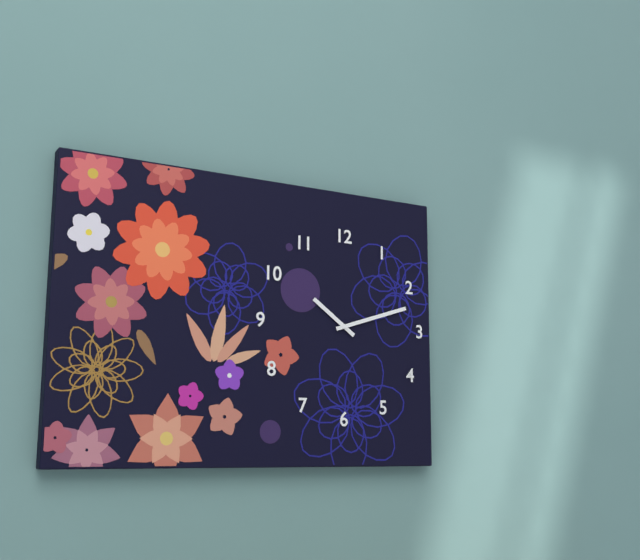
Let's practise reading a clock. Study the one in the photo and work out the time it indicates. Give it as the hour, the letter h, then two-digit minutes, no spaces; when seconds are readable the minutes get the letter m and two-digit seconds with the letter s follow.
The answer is 10h12
